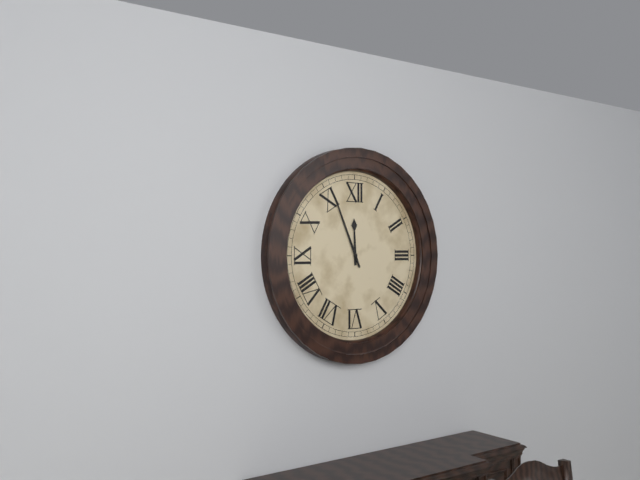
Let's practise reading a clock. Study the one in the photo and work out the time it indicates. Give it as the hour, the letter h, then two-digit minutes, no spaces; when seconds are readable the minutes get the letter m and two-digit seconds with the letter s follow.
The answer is 11h56
